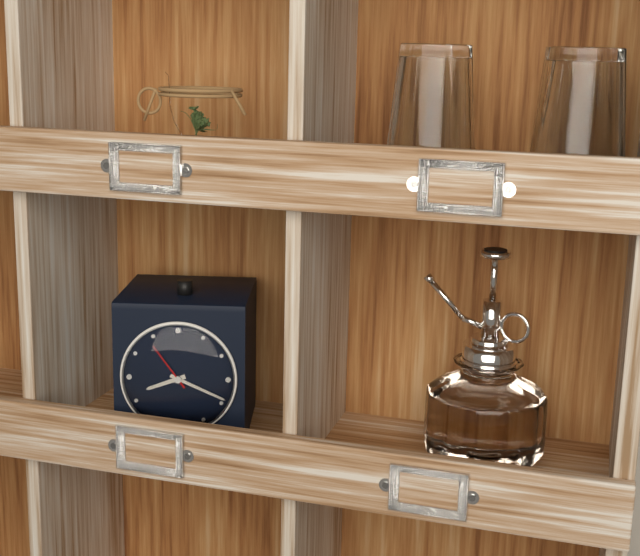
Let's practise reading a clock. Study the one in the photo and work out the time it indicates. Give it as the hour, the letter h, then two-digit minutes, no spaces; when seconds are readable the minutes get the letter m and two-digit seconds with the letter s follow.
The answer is 8h19m54s
